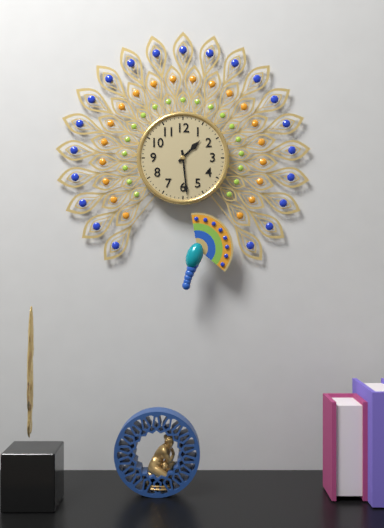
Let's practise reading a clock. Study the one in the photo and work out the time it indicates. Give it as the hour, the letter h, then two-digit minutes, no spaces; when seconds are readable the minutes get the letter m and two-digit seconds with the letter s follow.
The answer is 1h29
